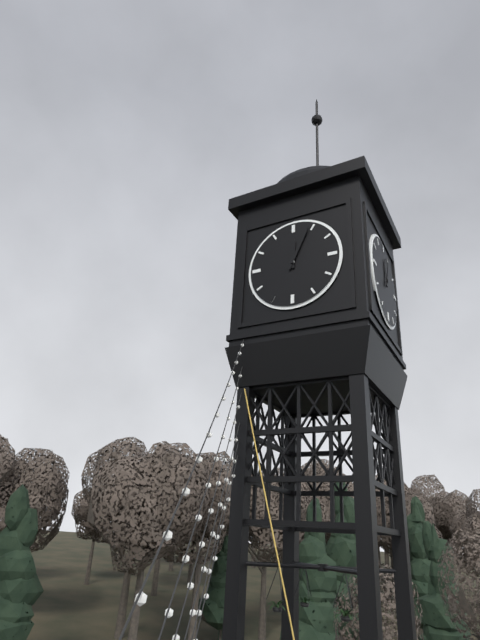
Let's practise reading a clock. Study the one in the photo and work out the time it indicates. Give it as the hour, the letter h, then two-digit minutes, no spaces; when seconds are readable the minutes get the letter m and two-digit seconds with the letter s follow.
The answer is 12h04
